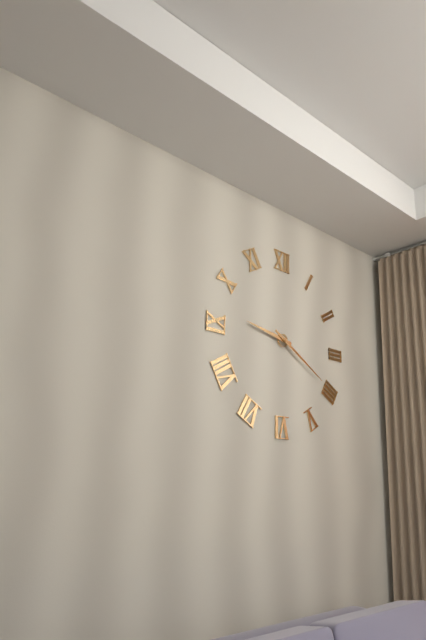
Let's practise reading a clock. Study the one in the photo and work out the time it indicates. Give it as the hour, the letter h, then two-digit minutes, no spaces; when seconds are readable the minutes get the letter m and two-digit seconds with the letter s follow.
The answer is 9h20
